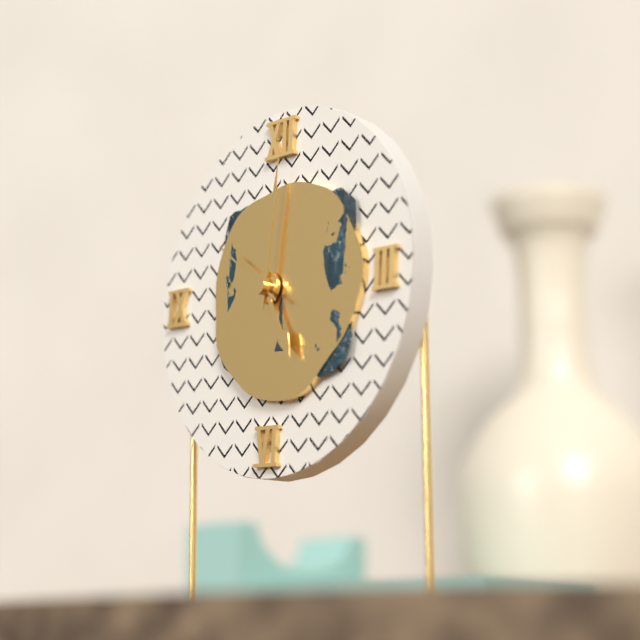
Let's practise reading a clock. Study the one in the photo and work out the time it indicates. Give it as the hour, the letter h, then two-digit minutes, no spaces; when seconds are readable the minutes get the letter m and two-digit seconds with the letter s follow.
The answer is 5h01m51s
